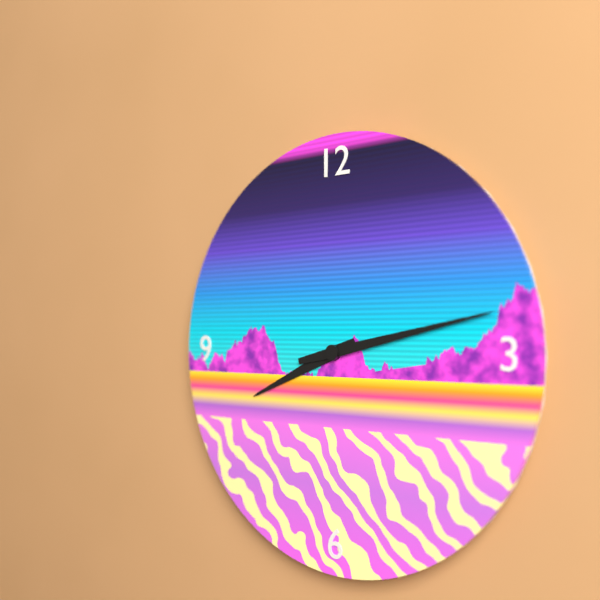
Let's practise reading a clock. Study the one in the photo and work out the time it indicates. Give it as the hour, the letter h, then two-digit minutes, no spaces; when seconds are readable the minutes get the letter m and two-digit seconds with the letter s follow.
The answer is 8h13
